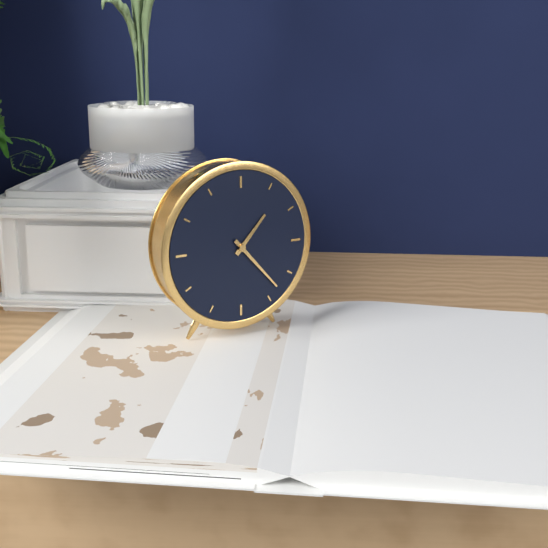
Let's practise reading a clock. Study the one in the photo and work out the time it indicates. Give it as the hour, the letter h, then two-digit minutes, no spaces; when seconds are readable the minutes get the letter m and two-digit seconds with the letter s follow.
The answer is 1h23
